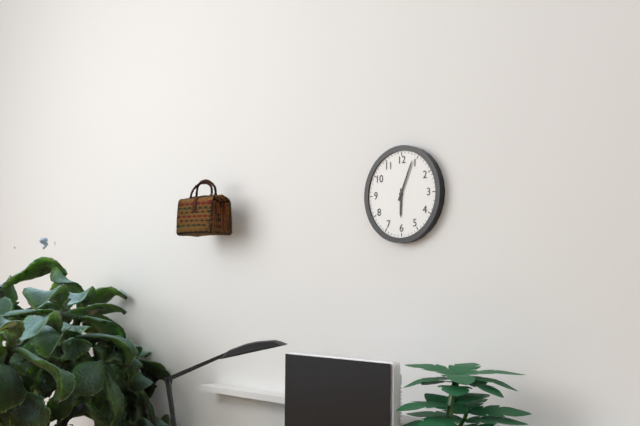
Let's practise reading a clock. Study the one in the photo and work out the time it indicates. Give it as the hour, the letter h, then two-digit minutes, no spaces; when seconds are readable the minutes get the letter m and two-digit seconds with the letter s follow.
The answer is 6h04
